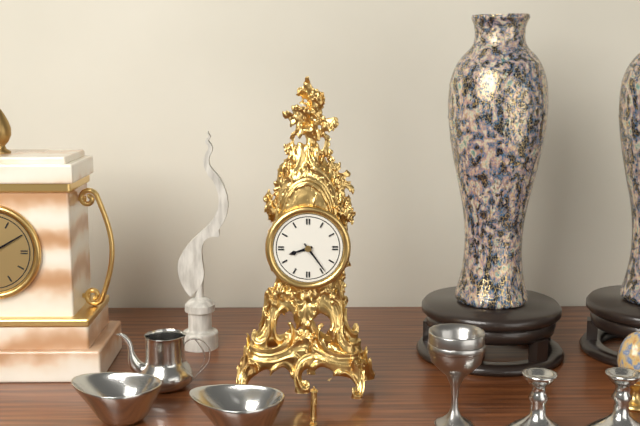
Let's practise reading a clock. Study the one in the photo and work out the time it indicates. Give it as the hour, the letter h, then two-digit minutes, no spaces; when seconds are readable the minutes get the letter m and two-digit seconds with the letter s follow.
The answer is 8h24
